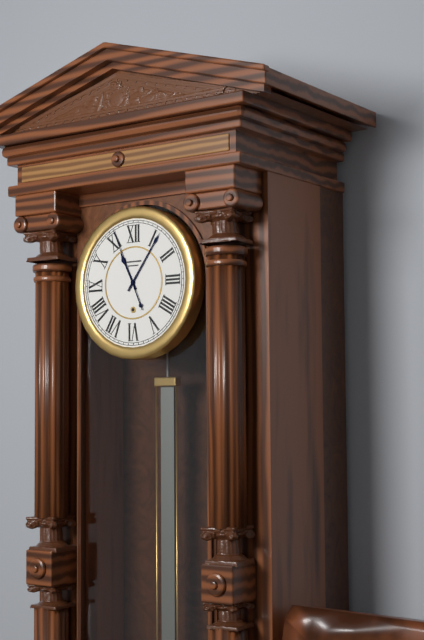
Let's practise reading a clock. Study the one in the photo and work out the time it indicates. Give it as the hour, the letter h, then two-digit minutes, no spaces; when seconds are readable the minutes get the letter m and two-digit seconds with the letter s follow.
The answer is 11h06m56s
